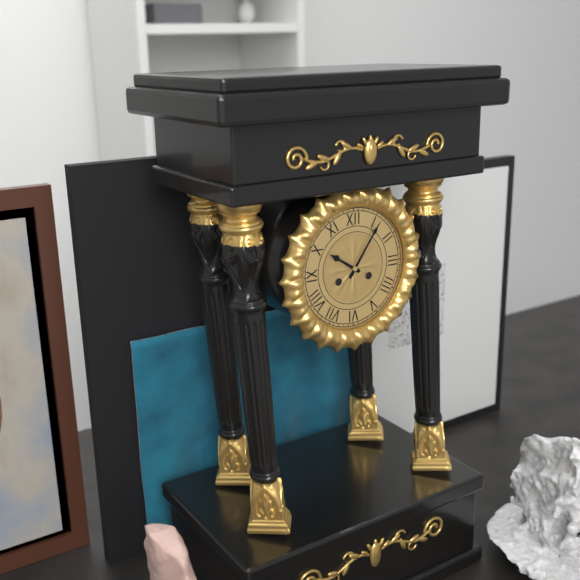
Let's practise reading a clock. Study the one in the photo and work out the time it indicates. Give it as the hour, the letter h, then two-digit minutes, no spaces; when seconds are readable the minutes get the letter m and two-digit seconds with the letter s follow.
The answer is 10h06
